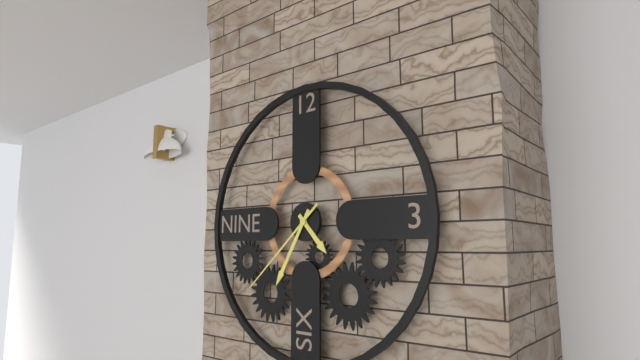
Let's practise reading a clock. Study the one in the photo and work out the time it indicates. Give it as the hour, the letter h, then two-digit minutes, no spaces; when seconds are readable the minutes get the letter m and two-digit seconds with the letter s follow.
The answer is 4h35m38s
